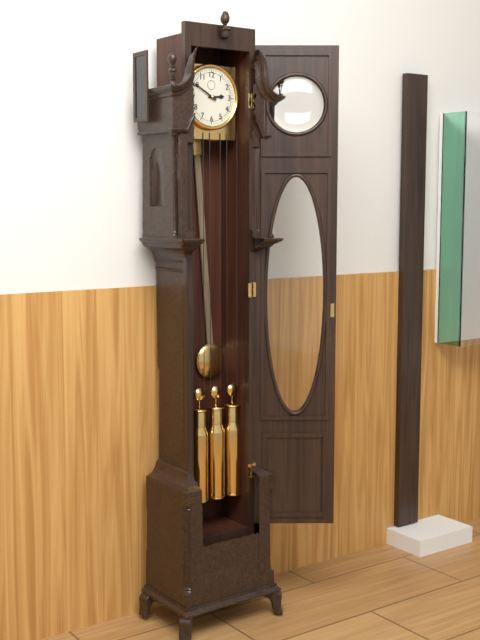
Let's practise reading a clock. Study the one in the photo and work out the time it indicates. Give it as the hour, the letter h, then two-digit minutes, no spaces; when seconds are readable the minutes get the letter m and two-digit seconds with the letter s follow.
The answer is 2h50
